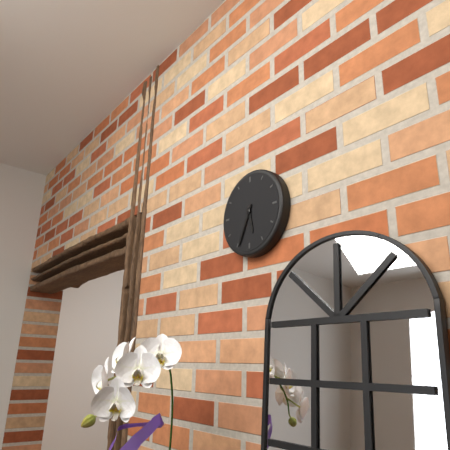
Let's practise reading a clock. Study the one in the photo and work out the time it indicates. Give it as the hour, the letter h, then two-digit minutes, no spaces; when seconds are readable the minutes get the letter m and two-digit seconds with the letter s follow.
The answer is 5h34
